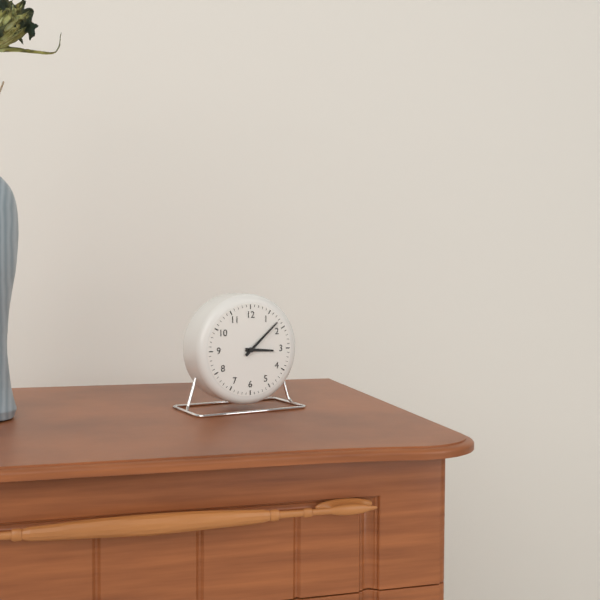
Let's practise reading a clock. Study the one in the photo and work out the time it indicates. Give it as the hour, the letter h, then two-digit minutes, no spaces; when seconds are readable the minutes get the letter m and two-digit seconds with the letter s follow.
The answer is 3h08
